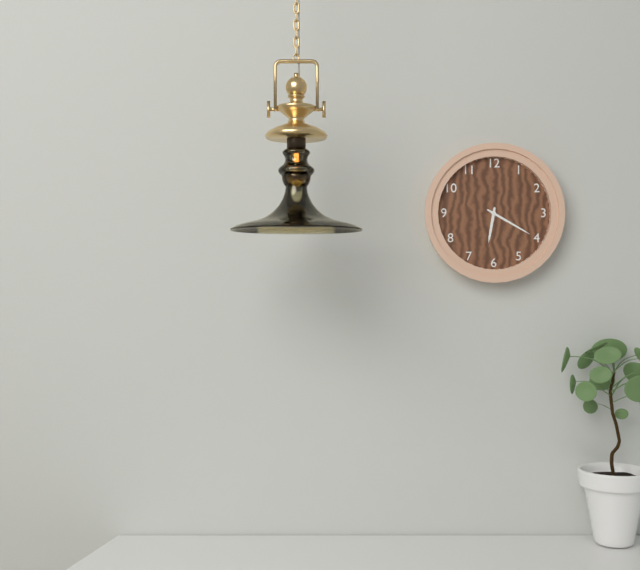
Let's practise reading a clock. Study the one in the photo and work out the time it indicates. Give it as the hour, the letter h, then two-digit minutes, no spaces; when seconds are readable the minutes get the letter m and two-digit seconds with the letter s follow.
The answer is 6h20
